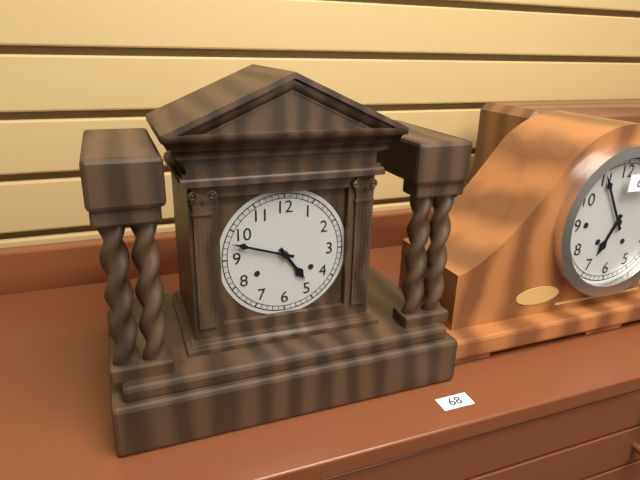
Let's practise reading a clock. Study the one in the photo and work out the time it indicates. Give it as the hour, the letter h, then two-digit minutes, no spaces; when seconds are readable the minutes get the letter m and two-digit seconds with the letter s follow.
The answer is 4h48
